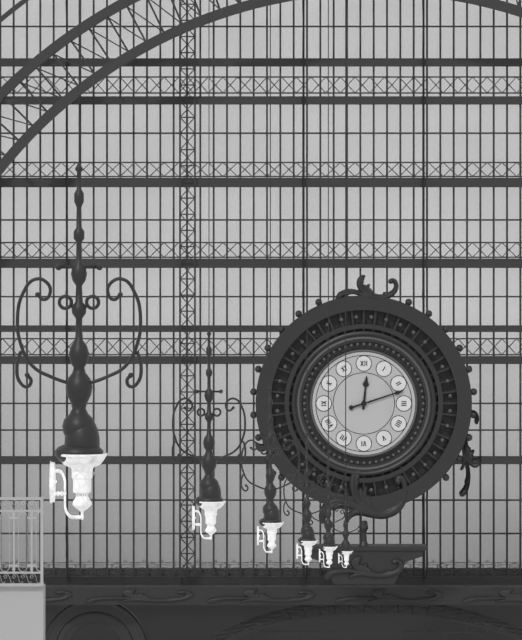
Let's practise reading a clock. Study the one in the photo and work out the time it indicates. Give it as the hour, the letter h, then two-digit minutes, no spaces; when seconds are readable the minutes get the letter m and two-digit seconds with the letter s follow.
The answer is 12h12
